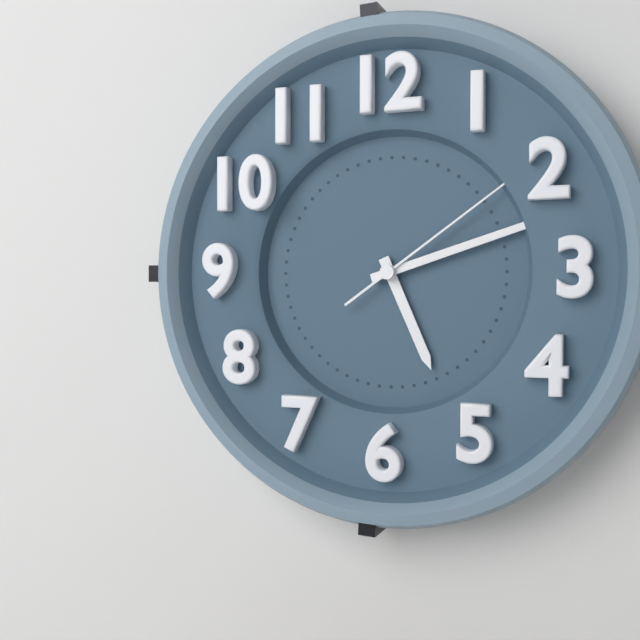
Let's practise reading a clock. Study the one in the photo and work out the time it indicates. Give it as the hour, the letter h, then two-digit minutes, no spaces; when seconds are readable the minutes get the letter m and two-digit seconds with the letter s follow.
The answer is 5h12m09s
